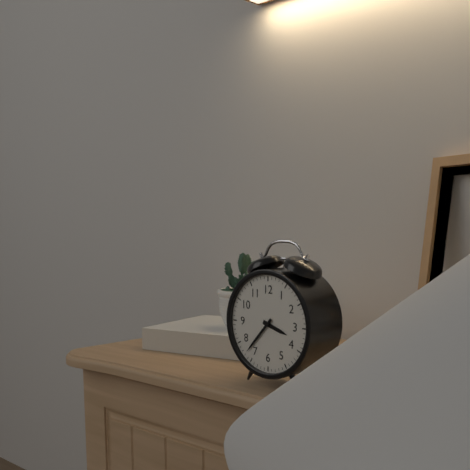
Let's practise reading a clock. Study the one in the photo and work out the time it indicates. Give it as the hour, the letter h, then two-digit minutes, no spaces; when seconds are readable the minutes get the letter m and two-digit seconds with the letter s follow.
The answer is 3h37
